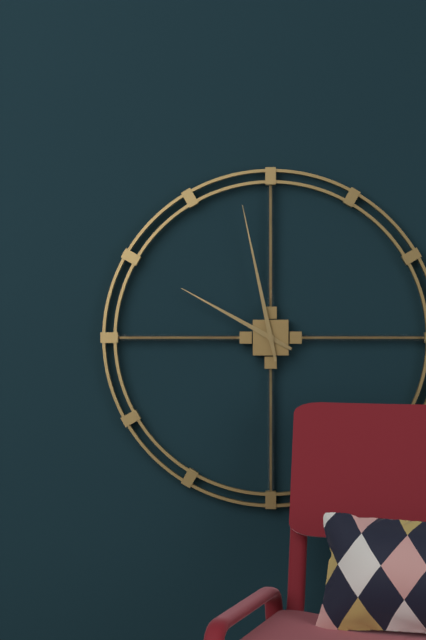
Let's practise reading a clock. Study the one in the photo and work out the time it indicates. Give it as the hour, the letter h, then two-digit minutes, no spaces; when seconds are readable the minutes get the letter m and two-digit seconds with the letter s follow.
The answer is 9h58
